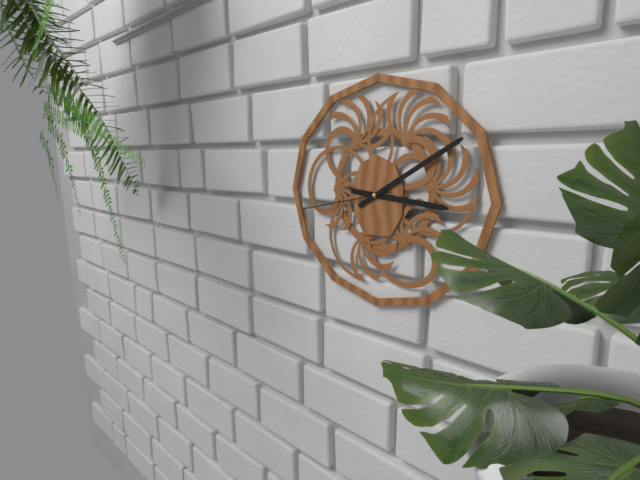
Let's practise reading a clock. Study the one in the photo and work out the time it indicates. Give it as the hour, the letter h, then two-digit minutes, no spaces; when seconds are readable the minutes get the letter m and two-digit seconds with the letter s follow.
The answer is 3h10m43s
